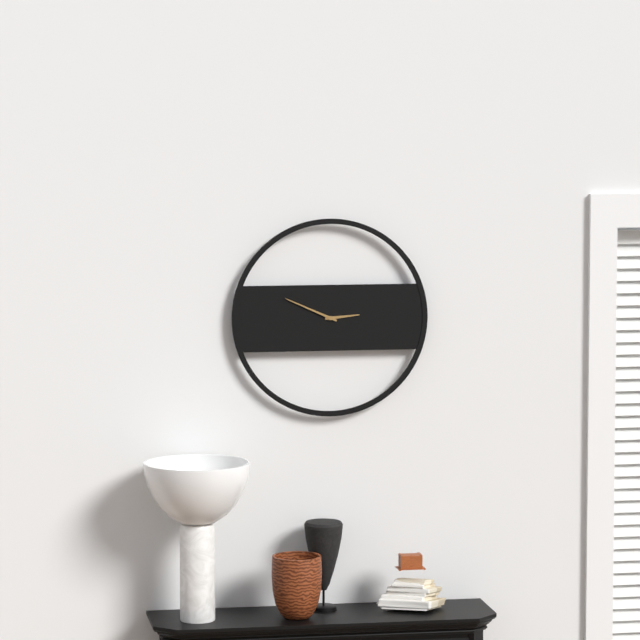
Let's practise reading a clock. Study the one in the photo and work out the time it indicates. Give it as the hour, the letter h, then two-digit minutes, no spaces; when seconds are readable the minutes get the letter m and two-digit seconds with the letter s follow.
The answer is 2h49
